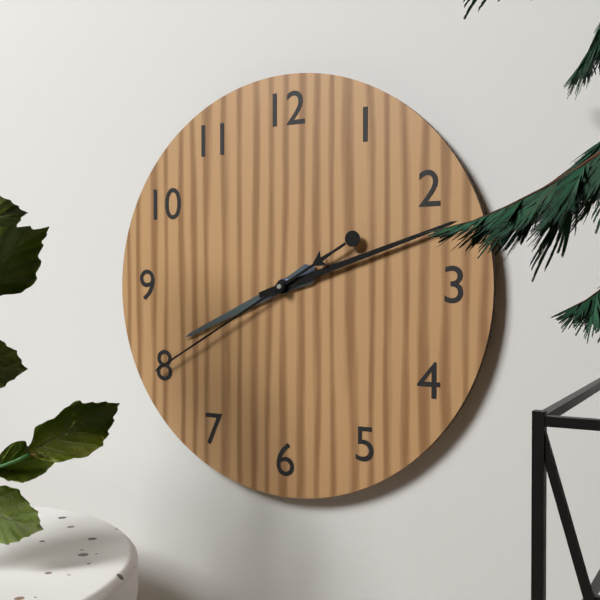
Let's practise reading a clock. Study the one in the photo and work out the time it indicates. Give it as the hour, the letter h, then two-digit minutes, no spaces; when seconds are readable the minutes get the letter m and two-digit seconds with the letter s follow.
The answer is 8h12m40s
